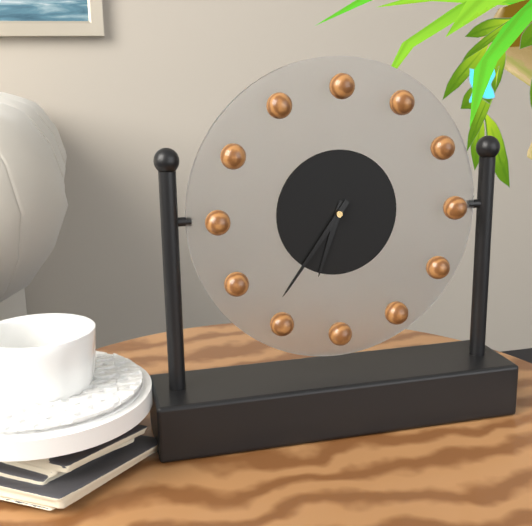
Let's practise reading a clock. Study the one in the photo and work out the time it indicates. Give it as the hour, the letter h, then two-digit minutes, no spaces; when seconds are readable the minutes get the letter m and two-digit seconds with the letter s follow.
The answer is 6h36
